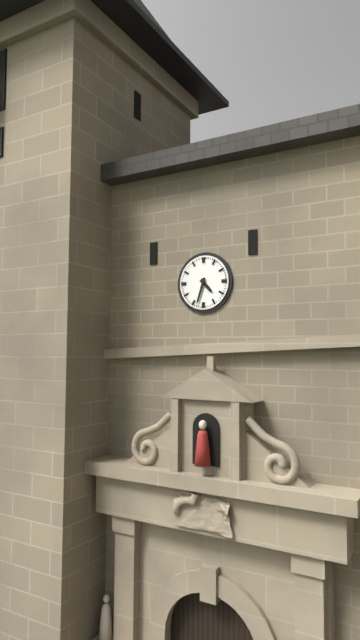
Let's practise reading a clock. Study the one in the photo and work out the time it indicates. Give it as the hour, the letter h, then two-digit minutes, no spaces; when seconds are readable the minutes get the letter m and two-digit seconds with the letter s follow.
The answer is 4h33
